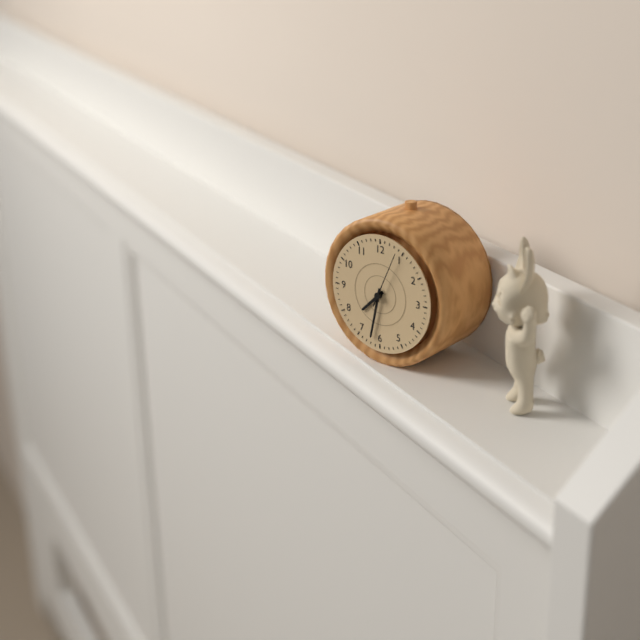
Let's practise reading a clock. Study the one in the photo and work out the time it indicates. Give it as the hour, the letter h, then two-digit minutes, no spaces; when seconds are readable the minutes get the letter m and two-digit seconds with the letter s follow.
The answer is 7h32m04s
